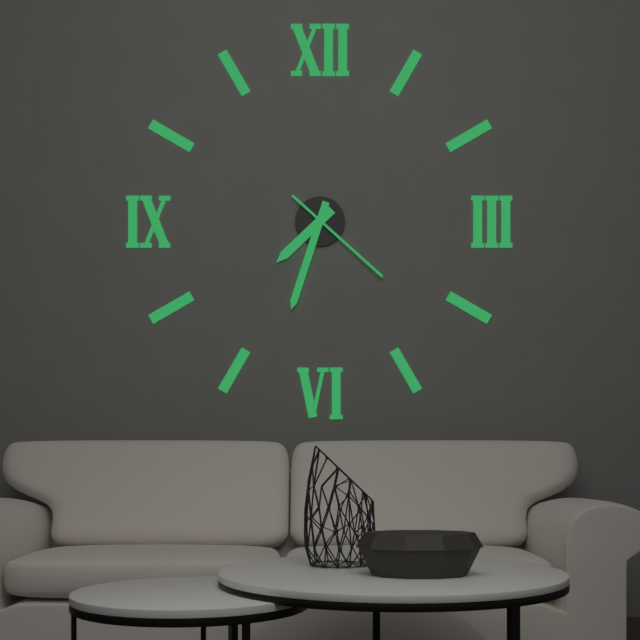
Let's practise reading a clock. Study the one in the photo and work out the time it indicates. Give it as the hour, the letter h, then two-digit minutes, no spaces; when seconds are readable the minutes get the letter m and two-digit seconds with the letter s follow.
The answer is 7h33m22s
